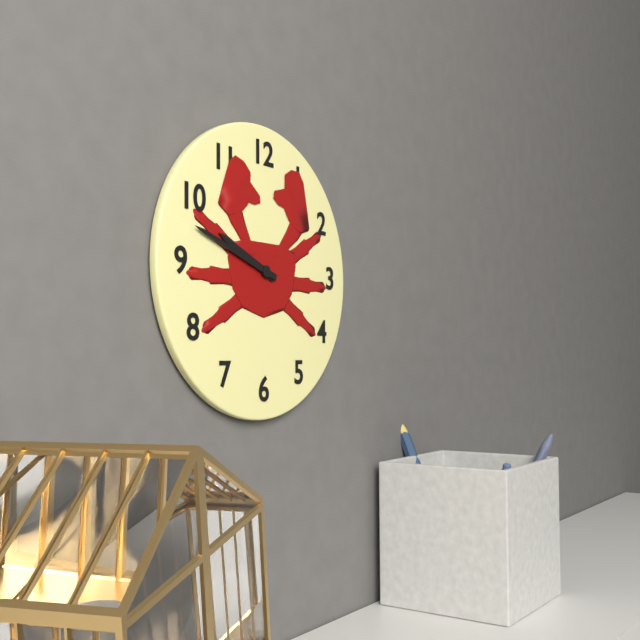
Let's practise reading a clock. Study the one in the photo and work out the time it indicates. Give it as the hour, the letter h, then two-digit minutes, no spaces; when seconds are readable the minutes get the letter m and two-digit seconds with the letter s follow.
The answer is 9h48
